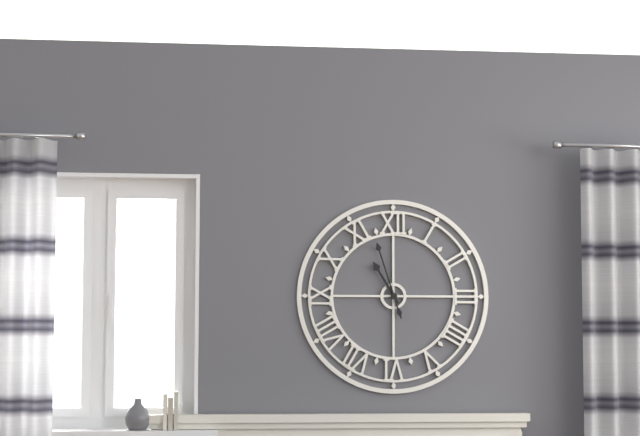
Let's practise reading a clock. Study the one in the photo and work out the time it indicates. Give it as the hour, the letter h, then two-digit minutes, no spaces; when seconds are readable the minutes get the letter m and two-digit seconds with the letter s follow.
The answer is 10h57
